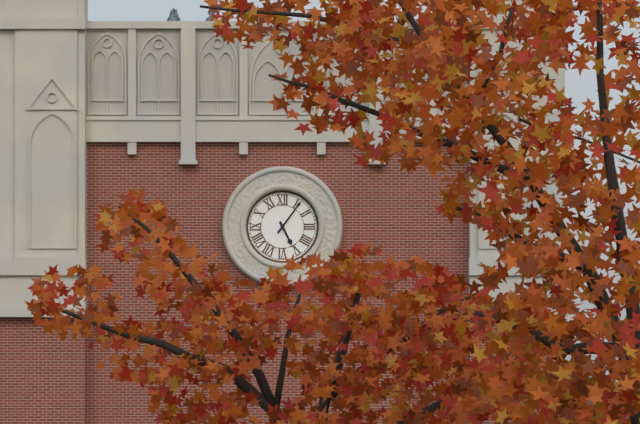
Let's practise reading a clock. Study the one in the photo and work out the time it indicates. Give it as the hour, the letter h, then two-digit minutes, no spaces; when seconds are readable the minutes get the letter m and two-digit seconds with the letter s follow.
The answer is 5h06
